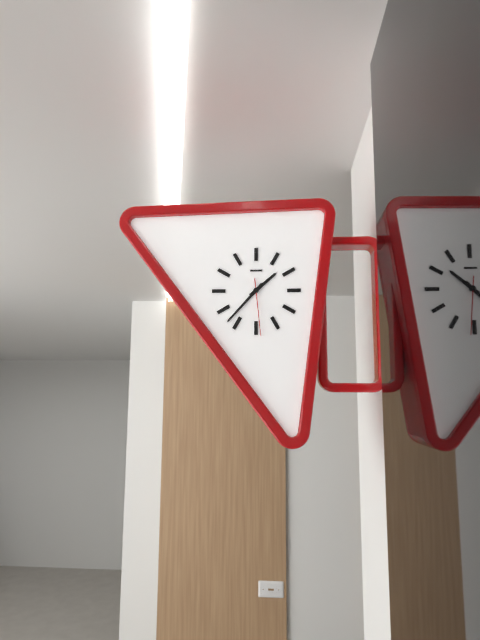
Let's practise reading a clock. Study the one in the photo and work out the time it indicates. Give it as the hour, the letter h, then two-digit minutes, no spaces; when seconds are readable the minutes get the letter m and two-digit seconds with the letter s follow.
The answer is 1h37m29s
